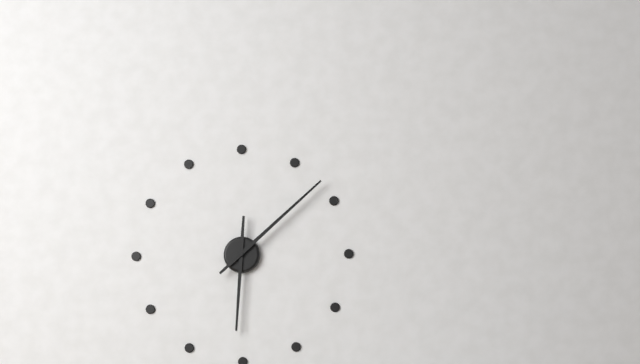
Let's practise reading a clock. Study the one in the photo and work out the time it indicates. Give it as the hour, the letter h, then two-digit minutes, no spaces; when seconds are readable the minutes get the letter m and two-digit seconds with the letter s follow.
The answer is 6h08
